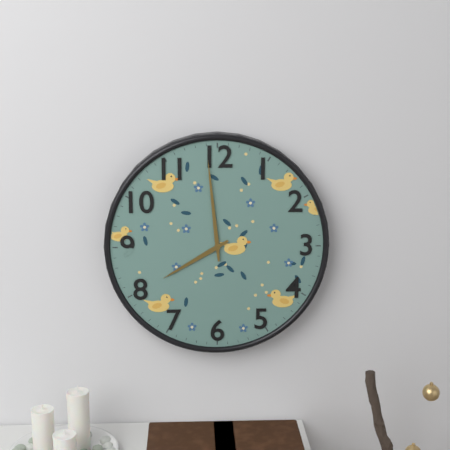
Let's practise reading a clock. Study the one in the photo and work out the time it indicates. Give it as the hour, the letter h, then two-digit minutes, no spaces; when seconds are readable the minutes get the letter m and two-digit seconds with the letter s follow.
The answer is 7h59
